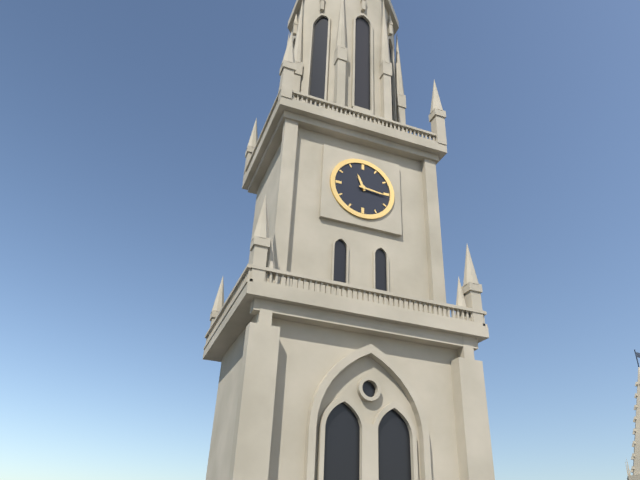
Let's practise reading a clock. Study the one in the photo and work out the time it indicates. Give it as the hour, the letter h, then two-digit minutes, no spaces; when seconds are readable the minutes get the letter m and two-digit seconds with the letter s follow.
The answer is 11h16
